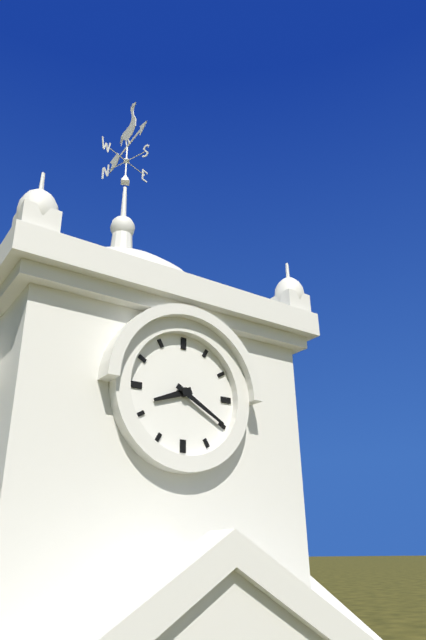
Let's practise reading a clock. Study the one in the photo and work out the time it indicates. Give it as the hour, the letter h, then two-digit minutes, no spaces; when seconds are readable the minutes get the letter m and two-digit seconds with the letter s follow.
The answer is 8h20
